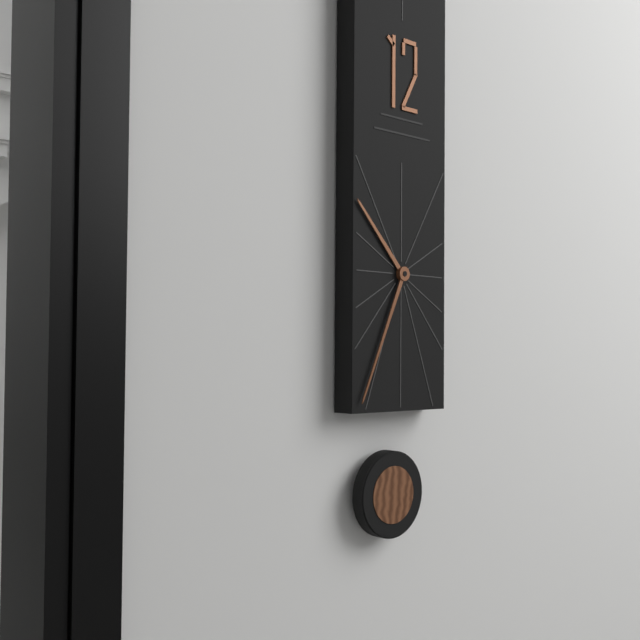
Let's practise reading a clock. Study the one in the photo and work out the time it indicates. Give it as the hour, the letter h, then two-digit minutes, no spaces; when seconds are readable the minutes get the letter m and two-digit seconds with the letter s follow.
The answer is 10h34
